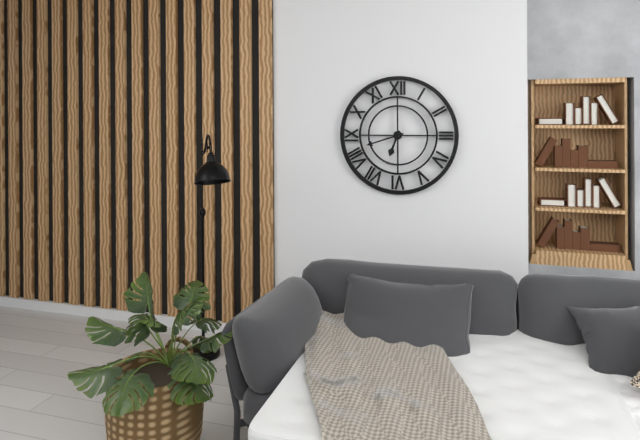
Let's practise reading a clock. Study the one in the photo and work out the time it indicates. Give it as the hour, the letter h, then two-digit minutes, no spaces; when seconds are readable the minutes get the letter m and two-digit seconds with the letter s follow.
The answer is 6h42
